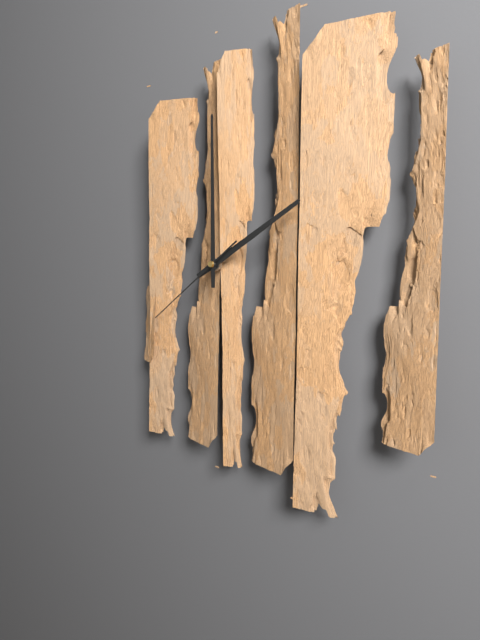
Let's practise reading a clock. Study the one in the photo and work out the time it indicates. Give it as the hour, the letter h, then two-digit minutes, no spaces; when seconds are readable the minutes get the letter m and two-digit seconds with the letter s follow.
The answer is 2h00m39s
